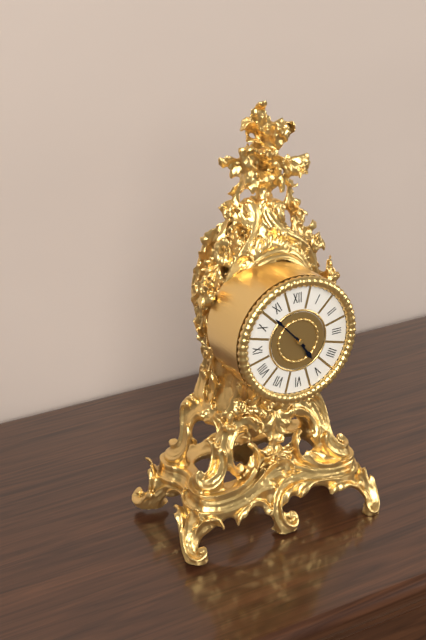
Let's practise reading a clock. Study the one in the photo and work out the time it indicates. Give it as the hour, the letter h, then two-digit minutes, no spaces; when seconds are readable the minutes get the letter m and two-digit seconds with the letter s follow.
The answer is 4h53
